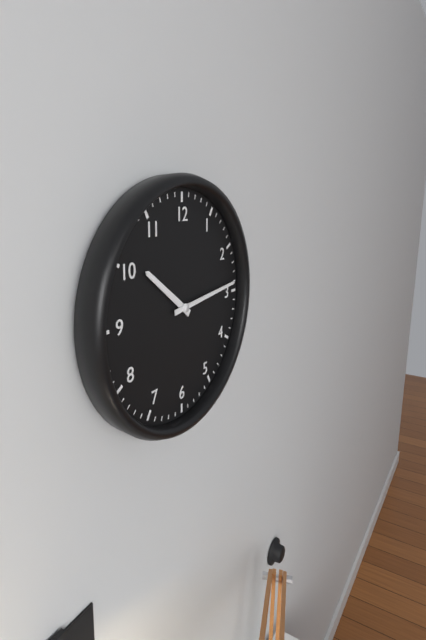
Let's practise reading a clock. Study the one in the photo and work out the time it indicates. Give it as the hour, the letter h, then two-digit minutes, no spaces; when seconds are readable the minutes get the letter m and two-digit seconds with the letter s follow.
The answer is 10h14
